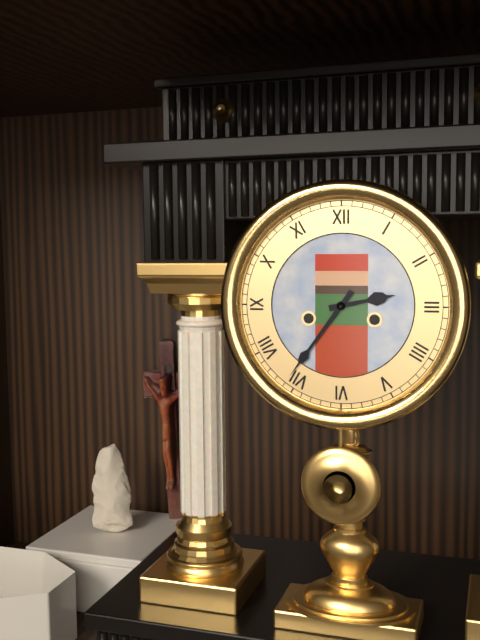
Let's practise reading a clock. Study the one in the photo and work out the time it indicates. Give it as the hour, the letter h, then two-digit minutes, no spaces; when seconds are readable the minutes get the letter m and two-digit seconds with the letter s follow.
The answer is 2h36
